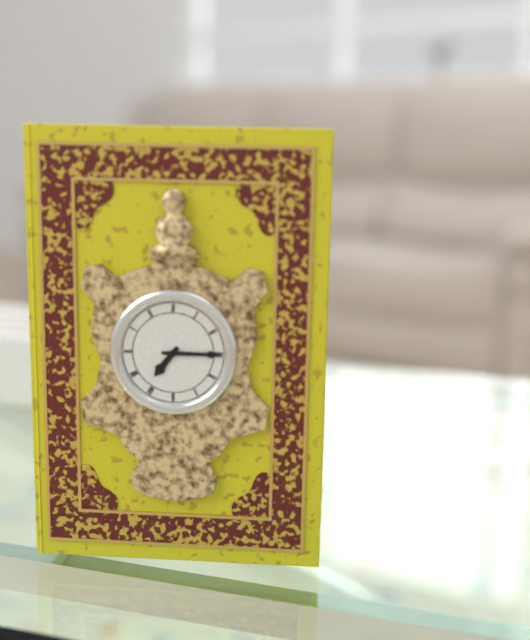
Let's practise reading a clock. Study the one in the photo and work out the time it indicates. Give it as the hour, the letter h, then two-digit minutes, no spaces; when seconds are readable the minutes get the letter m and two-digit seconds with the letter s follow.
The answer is 7h15
